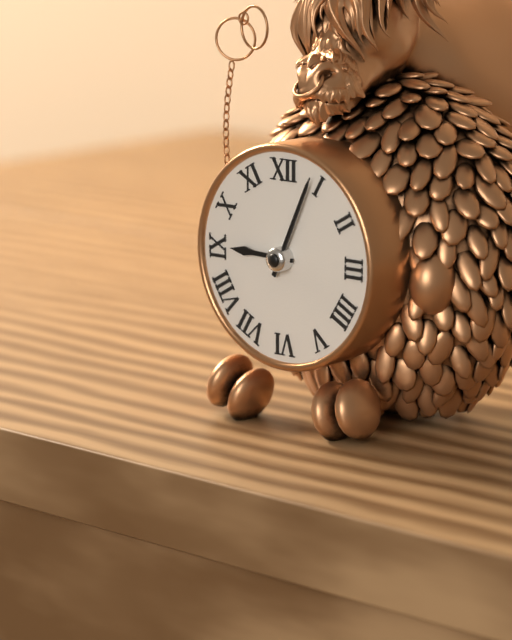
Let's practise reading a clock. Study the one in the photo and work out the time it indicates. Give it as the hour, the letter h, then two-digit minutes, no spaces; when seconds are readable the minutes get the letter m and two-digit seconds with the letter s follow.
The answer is 9h04
